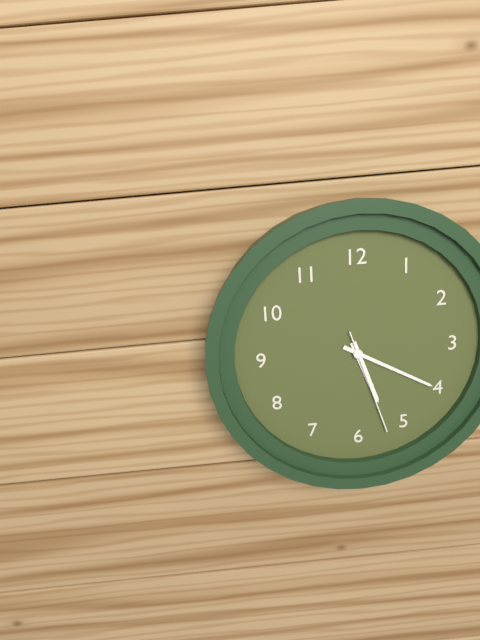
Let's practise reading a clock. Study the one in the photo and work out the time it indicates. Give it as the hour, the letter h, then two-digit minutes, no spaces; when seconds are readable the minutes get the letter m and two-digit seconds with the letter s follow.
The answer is 5h20m27s
